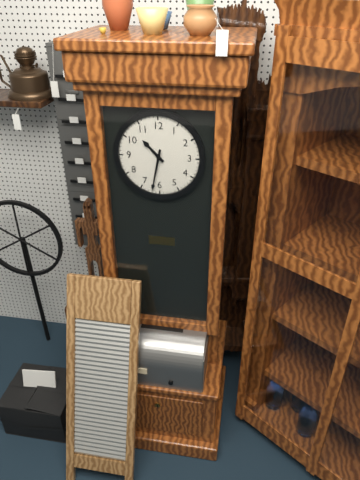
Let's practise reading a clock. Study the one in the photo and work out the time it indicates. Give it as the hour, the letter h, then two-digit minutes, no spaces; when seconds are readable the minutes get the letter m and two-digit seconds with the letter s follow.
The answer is 10h32
